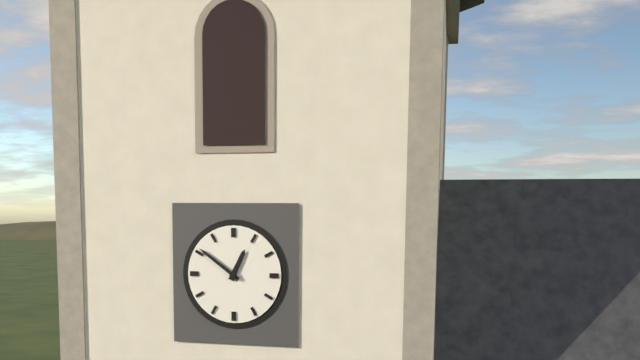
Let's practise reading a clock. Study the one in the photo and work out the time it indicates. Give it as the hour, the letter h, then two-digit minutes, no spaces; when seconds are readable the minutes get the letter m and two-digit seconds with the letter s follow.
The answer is 12h51
